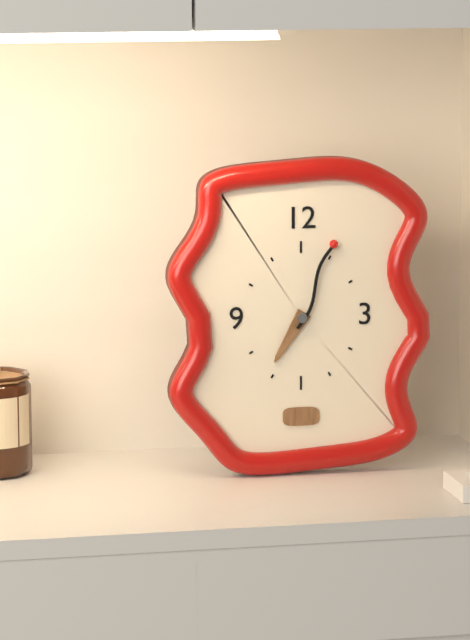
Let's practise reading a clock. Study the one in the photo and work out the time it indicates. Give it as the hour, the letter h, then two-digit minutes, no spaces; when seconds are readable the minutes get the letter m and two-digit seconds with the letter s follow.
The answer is 7h04
